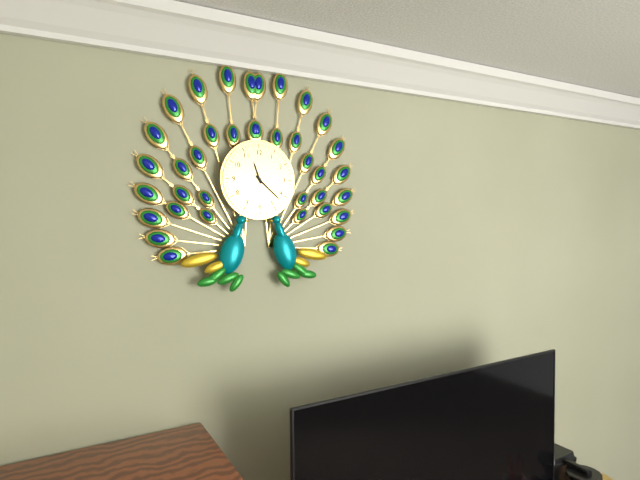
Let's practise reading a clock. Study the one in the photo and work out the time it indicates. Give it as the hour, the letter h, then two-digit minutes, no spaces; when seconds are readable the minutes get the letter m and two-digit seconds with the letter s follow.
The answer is 11h22
